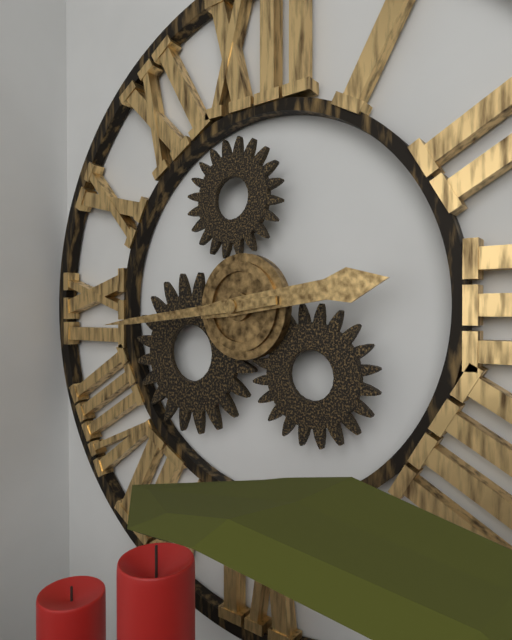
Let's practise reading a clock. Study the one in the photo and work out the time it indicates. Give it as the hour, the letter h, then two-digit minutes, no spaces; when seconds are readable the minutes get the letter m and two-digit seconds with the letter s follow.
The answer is 2h44
